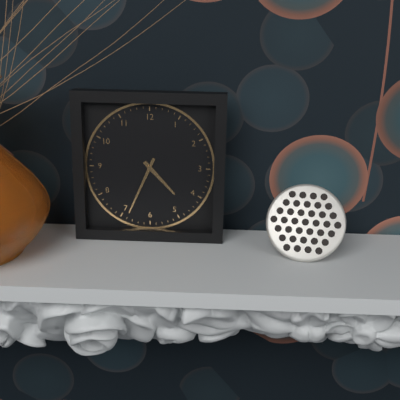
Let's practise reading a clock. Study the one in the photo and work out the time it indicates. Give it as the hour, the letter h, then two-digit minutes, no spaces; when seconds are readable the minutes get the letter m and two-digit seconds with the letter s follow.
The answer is 4h34
